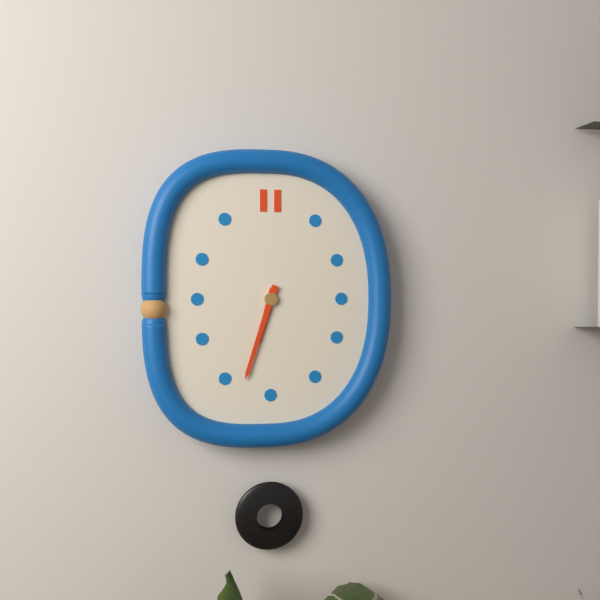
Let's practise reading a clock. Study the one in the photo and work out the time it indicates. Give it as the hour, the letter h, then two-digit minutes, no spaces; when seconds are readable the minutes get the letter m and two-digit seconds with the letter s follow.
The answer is 6h33
